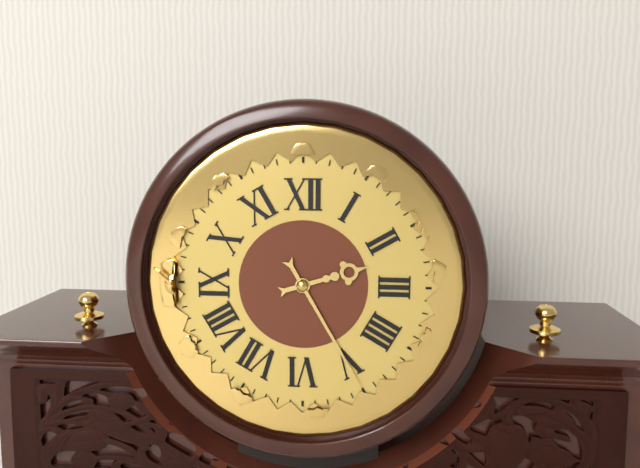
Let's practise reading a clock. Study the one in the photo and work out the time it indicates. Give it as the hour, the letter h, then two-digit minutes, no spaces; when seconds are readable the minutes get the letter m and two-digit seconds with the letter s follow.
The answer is 2h25
